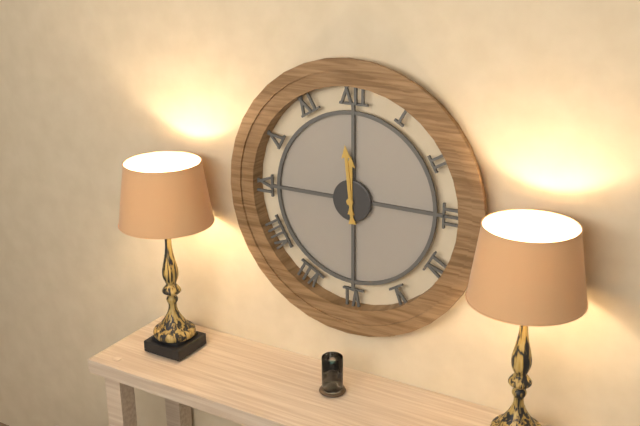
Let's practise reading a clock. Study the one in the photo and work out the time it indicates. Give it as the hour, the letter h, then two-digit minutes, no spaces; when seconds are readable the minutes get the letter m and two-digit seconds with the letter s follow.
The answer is 11h59
